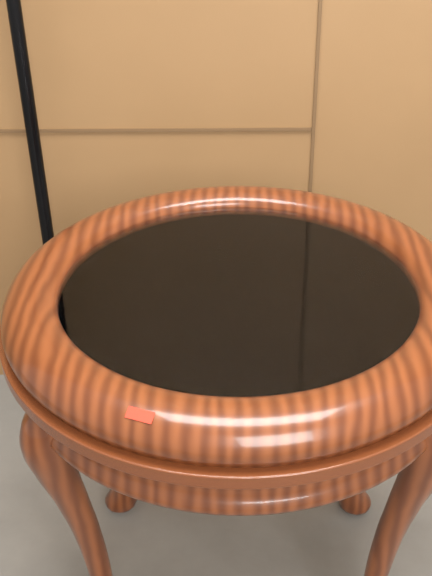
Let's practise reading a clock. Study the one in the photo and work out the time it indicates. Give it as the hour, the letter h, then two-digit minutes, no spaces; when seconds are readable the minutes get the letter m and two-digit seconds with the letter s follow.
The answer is 2h20
